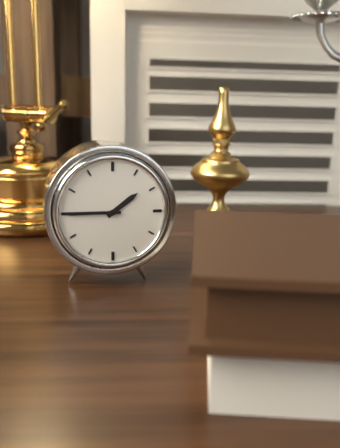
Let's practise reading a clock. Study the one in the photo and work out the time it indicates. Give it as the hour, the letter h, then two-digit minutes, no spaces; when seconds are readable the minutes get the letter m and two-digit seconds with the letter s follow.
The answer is 1h45
